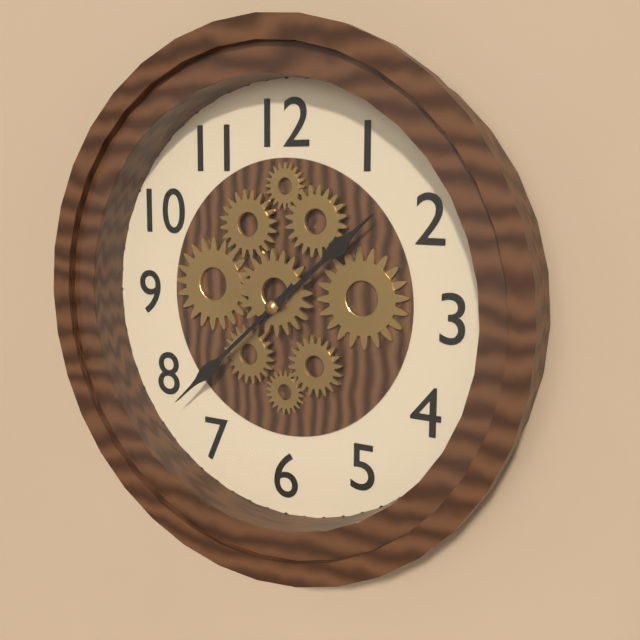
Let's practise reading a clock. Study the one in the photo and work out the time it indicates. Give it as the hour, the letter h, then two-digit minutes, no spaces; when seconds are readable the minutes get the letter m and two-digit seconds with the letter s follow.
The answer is 1h38
